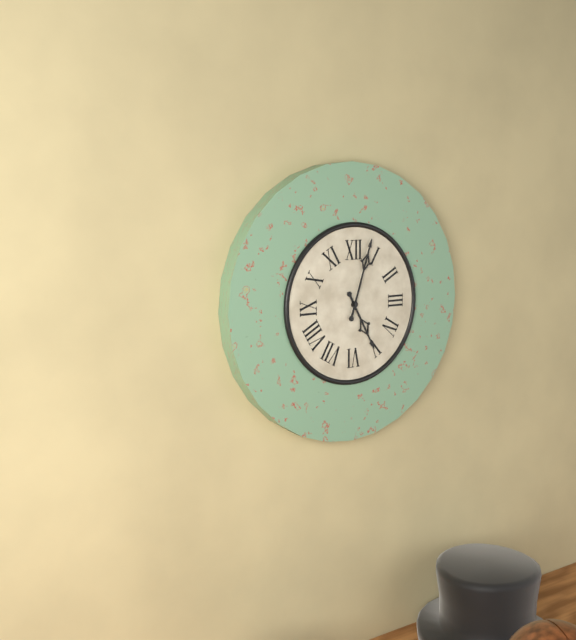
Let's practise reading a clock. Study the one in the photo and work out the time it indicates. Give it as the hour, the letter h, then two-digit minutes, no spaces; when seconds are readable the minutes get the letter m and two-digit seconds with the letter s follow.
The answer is 5h03
